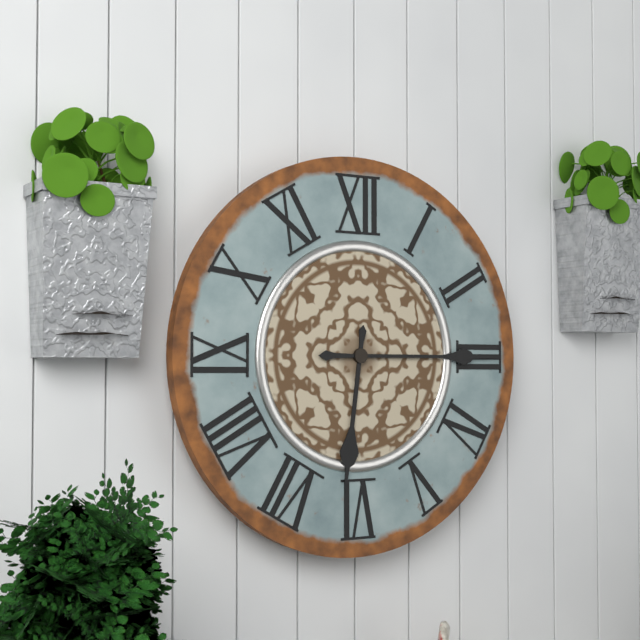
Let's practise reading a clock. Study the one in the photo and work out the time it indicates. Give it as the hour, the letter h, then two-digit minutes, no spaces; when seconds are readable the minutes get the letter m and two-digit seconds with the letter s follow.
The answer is 6h15
